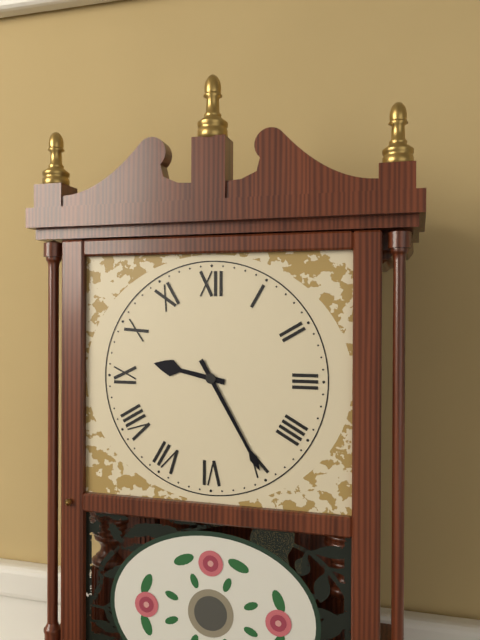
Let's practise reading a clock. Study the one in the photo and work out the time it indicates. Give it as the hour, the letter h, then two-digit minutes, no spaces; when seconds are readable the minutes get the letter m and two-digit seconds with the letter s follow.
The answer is 9h25
